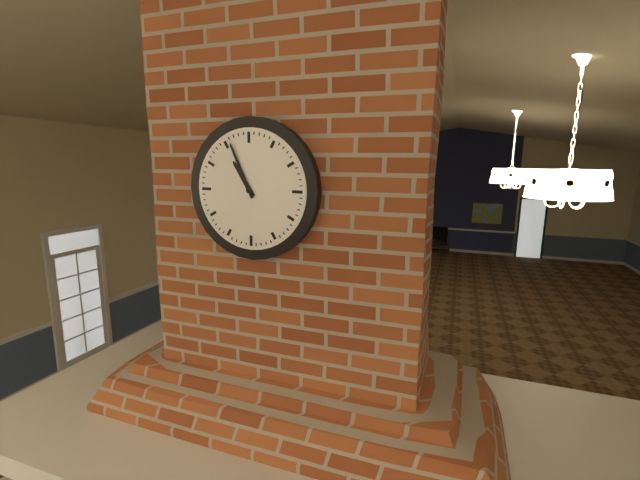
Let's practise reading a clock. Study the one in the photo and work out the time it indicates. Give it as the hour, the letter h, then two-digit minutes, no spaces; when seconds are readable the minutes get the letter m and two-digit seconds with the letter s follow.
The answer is 10h56
